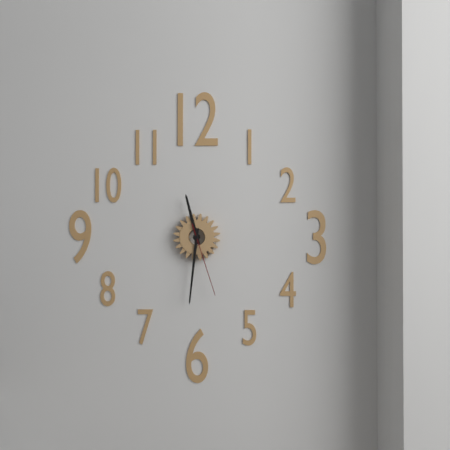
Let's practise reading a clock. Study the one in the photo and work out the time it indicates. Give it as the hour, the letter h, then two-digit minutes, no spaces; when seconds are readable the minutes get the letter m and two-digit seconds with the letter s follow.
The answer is 11h31m27s
